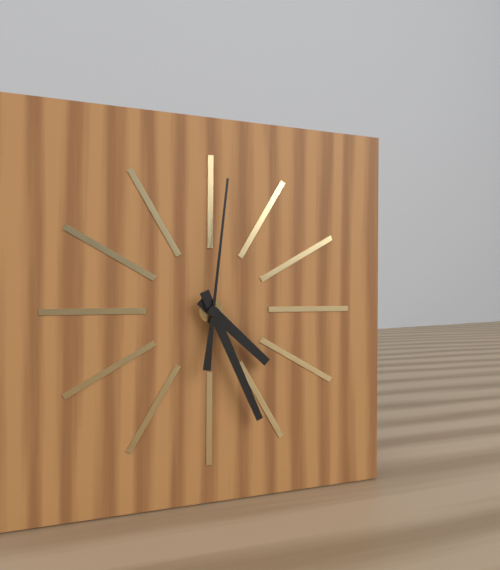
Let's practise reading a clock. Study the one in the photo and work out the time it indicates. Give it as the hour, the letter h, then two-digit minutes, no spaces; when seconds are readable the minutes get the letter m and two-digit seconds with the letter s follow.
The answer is 4h26m01s
